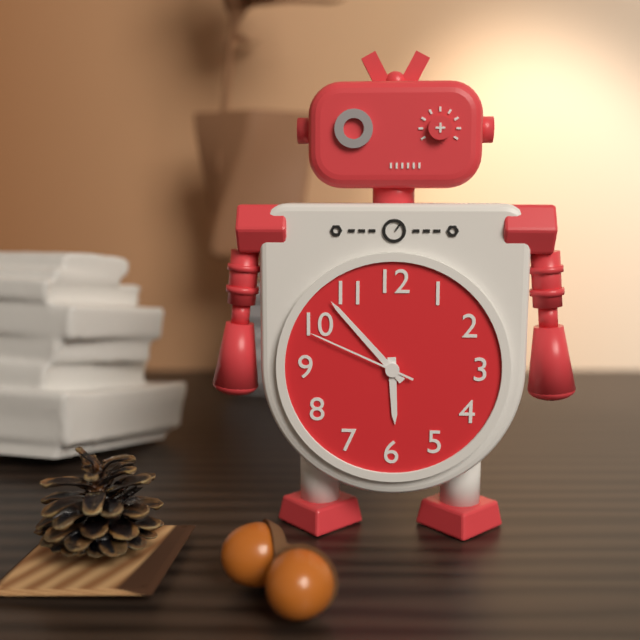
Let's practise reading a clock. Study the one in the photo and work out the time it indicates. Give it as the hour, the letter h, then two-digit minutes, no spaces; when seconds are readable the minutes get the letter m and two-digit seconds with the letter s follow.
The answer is 5h53m49s
